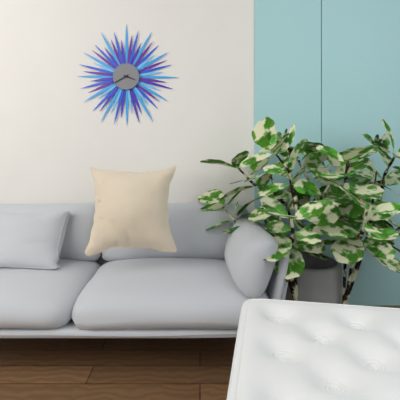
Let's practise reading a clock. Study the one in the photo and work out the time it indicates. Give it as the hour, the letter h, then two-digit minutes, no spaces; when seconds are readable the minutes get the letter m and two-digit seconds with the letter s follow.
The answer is 3h40
